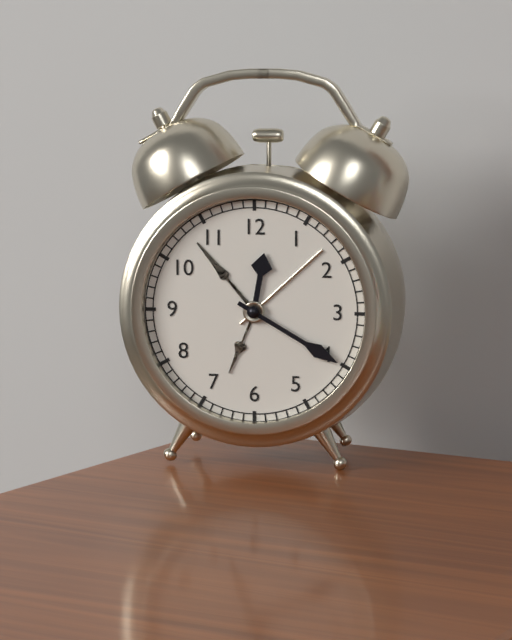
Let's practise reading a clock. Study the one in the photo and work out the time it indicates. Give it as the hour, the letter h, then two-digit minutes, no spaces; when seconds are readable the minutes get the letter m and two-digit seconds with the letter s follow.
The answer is 12h20
